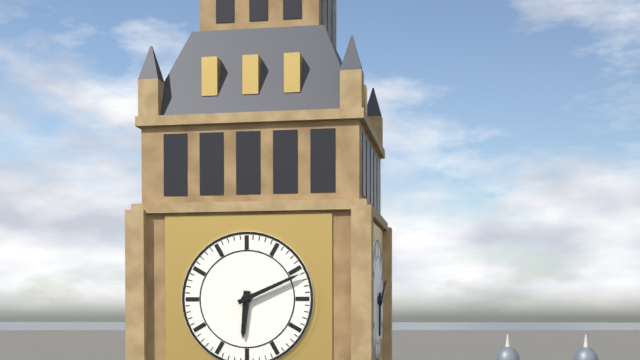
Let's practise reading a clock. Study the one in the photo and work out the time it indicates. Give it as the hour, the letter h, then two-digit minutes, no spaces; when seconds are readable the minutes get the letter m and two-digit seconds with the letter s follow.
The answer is 6h11
